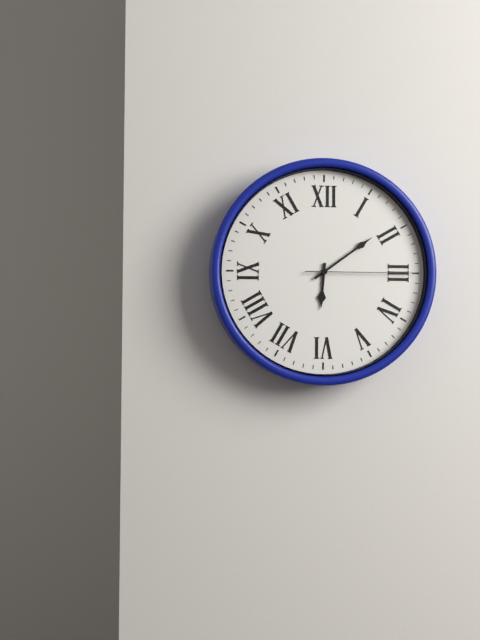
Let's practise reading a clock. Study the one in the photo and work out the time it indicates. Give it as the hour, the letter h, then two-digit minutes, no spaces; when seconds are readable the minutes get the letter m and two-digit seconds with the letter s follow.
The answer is 6h09m15s
